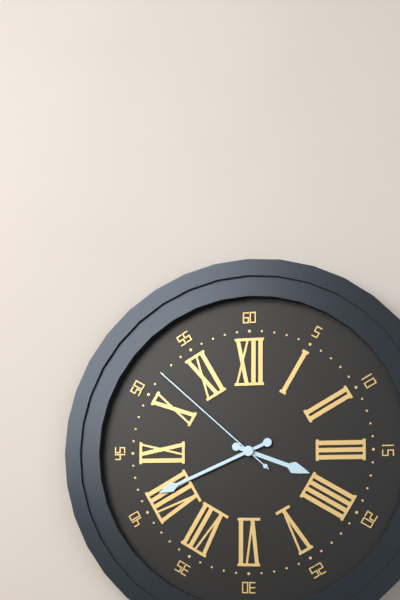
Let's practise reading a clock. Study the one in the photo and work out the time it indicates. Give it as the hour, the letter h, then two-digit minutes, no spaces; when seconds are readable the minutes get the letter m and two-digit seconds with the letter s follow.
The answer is 3h41m52s
